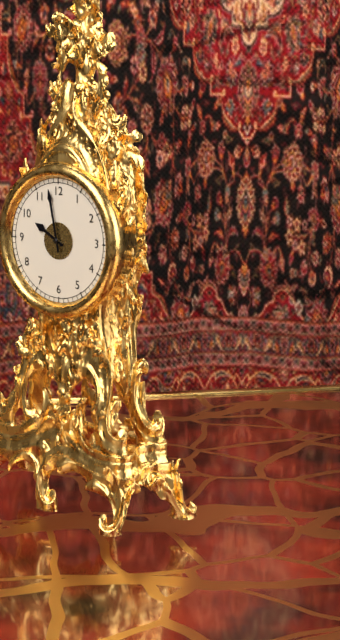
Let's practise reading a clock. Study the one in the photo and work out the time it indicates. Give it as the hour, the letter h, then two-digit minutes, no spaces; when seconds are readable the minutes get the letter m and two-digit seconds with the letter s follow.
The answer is 9h58
